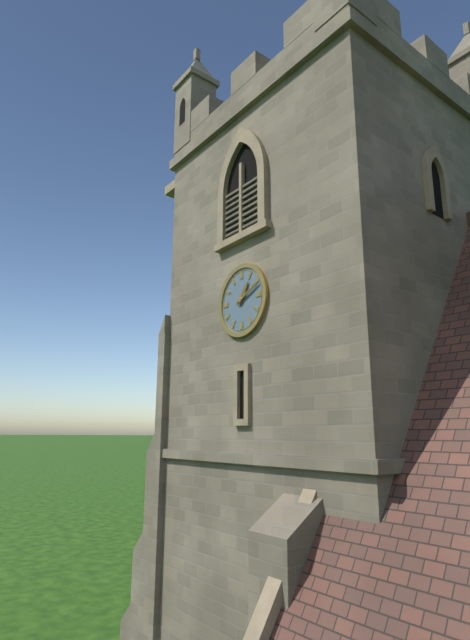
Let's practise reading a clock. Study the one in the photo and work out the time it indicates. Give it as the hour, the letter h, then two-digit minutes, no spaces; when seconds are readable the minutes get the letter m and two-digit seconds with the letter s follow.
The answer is 1h11
